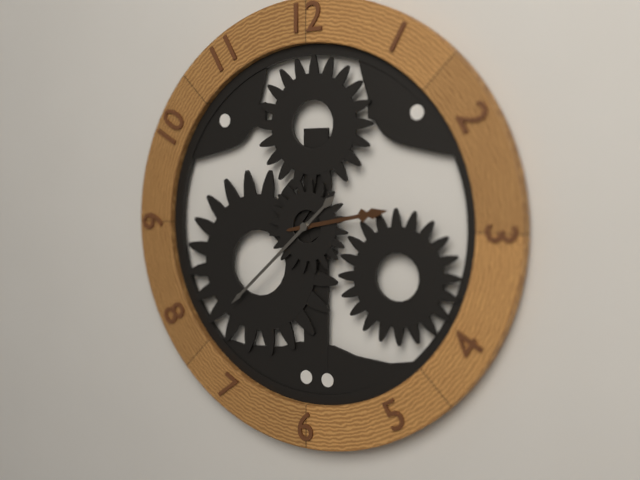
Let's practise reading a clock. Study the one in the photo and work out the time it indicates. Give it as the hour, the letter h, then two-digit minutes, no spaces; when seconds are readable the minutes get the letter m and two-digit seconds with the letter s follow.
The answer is 2h38
